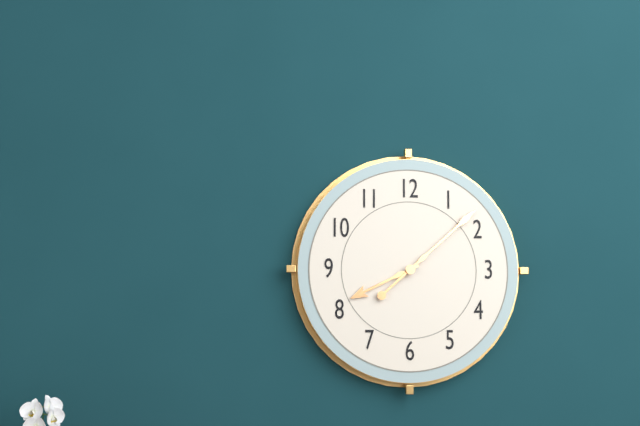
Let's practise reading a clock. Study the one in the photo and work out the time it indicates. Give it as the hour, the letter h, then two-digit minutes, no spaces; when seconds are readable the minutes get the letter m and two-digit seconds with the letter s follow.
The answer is 8h08
